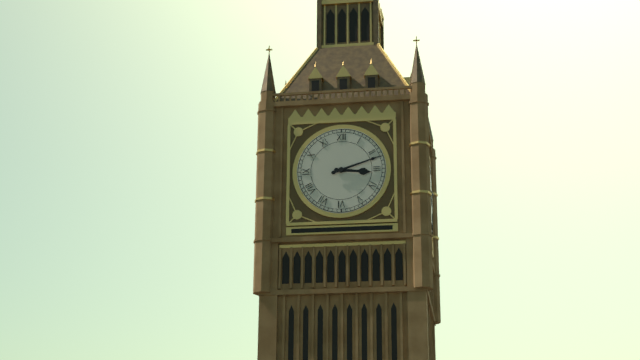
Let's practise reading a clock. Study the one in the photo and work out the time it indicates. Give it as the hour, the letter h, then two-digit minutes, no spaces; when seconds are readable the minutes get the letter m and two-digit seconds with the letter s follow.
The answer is 3h12
